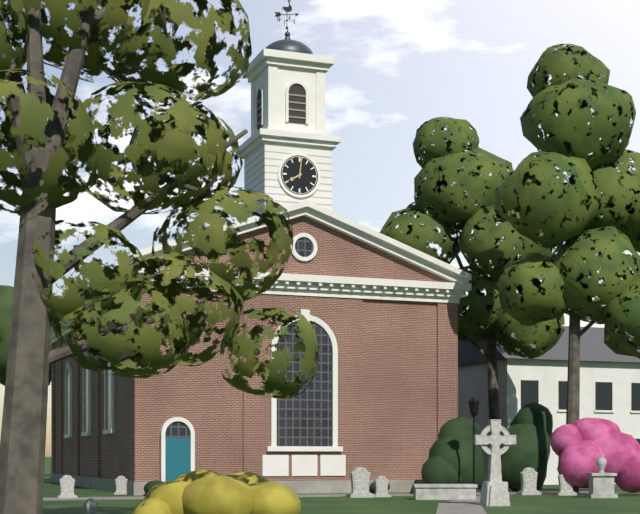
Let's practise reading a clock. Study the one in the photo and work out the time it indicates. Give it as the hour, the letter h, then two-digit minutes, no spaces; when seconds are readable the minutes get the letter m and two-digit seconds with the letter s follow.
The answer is 8h01
